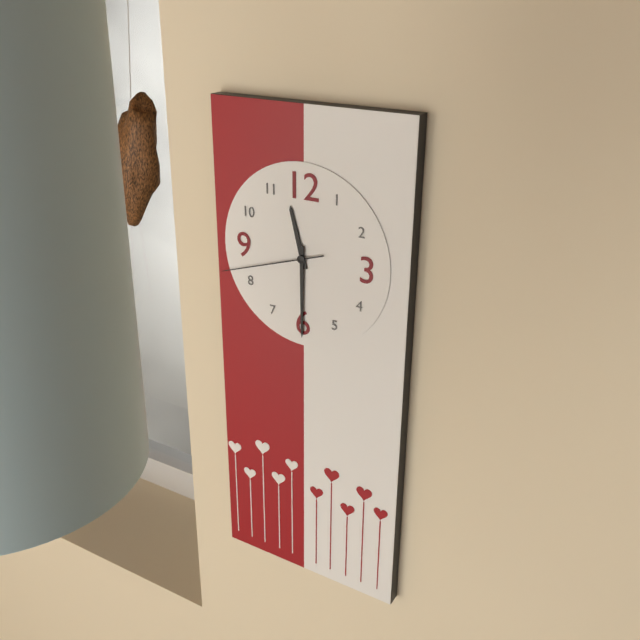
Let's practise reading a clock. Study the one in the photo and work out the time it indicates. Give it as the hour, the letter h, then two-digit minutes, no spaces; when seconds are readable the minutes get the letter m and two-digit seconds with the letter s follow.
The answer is 11h30m42s
